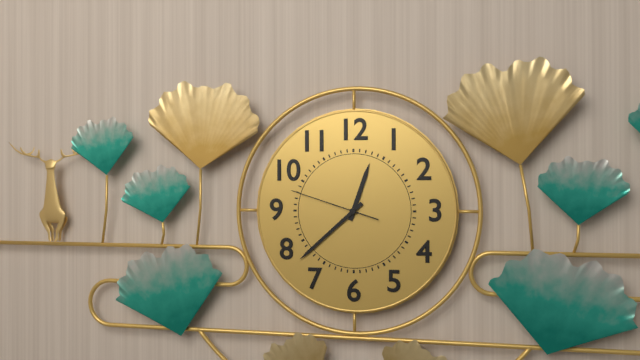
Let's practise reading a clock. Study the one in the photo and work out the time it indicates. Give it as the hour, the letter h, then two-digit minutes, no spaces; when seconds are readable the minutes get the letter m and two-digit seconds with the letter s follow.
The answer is 12h38m48s
